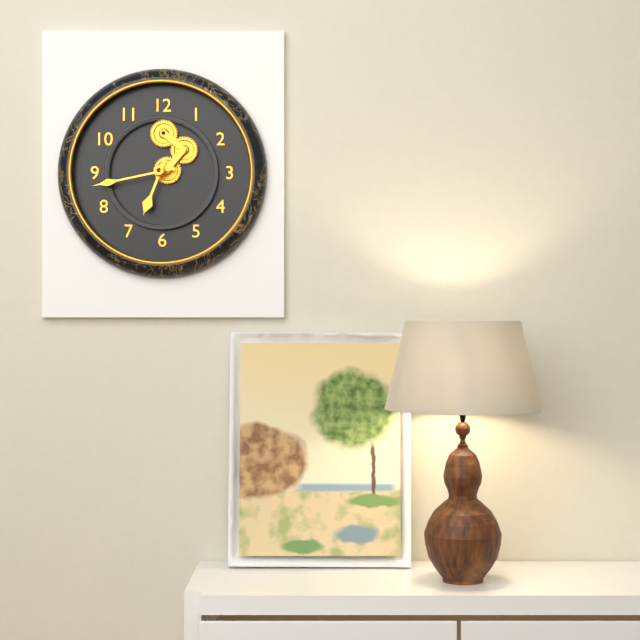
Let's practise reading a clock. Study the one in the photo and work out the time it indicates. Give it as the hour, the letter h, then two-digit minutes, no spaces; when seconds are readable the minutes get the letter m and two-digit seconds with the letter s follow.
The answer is 6h43
